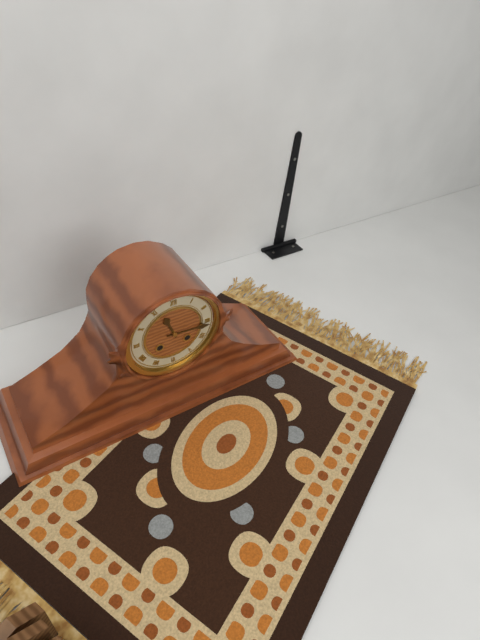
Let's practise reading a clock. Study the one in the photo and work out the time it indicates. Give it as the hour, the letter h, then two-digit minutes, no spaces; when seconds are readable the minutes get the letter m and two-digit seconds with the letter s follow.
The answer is 11h16
